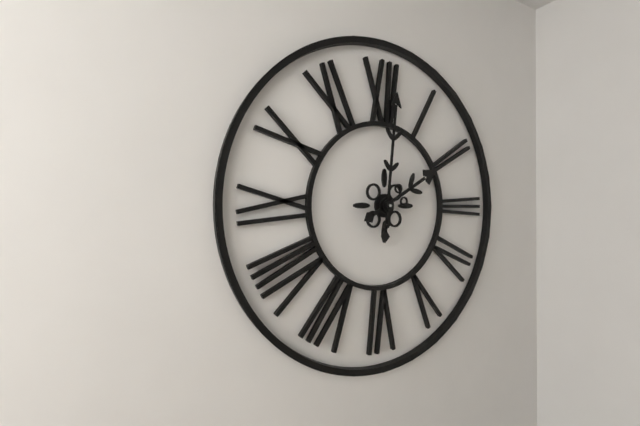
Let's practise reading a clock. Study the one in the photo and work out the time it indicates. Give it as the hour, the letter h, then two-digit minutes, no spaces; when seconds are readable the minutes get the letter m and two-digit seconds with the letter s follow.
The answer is 2h01
